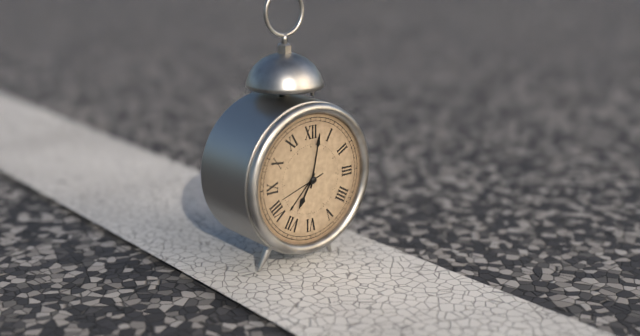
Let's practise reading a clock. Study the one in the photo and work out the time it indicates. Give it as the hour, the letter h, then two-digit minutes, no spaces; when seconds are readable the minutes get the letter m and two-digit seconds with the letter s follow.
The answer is 7h02
